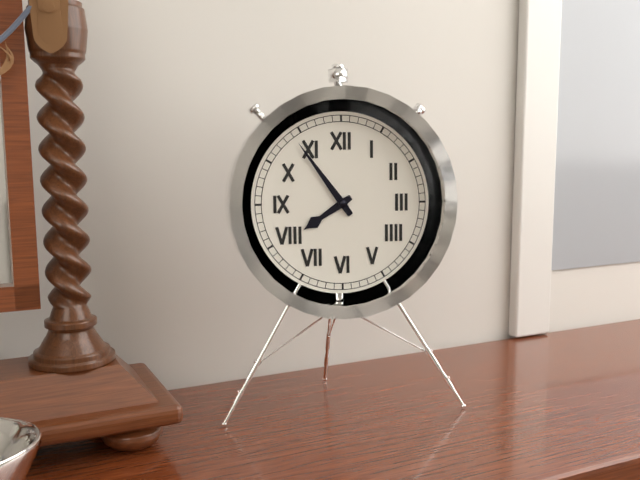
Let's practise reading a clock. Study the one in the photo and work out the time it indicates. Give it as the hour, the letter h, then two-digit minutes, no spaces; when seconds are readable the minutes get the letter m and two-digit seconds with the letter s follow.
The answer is 7h54
